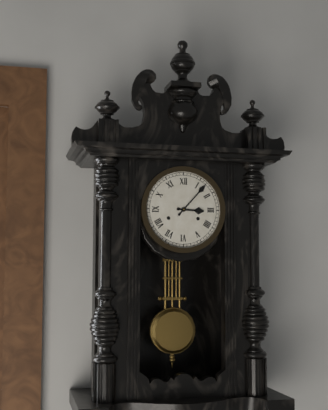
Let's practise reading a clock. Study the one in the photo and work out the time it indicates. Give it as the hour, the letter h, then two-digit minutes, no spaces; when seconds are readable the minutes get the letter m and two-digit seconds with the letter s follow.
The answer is 3h07
